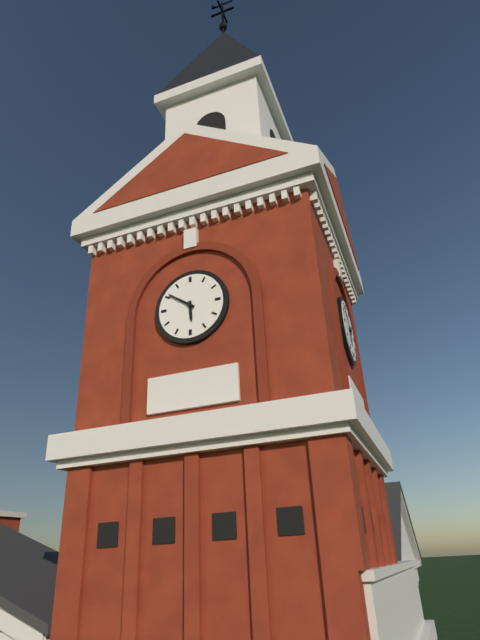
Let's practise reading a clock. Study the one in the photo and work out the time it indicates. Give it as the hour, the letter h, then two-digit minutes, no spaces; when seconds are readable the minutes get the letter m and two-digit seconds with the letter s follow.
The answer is 5h51
